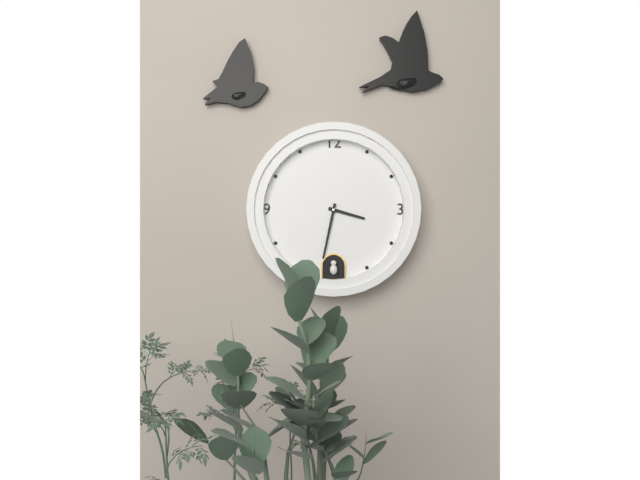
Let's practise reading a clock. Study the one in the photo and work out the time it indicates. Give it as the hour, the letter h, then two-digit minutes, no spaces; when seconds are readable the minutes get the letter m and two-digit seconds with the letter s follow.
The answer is 3h32
